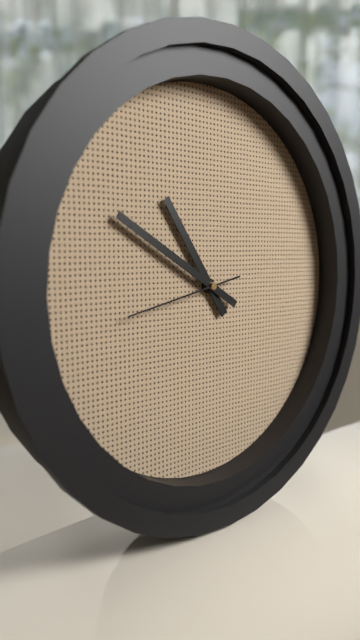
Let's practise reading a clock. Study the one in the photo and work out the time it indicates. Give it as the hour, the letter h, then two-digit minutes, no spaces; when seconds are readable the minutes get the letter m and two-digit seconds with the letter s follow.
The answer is 10h50m43s
